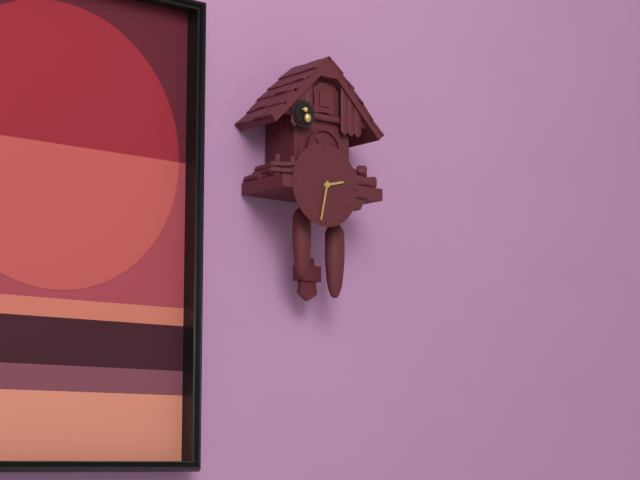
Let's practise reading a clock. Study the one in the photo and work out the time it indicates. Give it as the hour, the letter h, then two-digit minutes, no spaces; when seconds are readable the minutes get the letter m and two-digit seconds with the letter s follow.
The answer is 2h32
